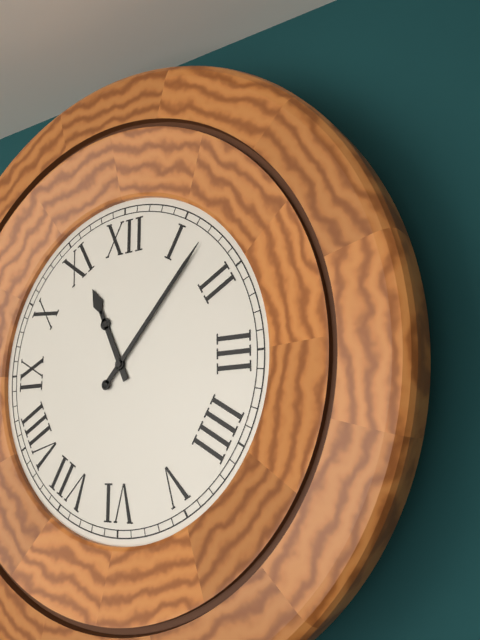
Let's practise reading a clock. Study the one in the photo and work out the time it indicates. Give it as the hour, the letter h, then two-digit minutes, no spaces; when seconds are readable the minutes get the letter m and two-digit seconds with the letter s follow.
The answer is 11h07
